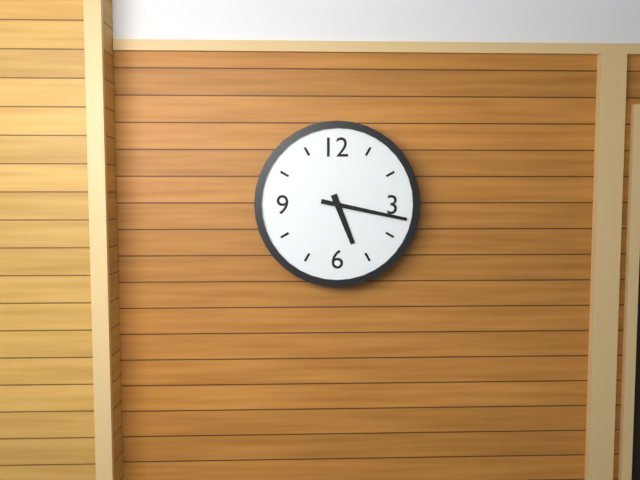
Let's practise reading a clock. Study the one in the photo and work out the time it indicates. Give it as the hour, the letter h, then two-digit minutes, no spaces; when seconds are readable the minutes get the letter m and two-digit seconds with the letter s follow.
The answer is 5h17
